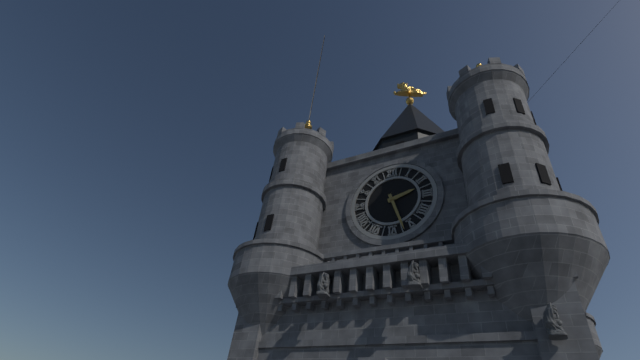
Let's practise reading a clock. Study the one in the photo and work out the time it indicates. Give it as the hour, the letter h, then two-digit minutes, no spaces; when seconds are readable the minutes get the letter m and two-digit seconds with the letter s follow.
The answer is 2h27
